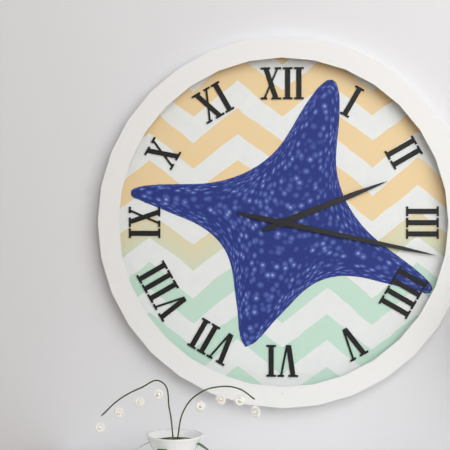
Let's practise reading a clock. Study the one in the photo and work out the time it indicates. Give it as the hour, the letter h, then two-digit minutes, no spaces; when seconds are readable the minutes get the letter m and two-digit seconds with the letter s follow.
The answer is 2h17
